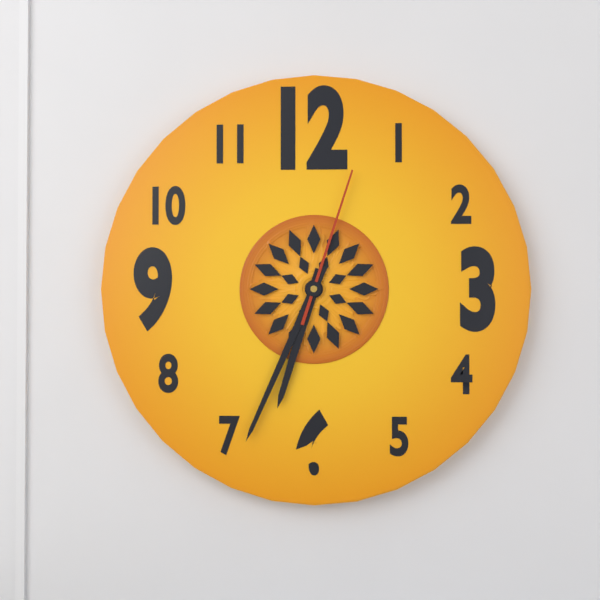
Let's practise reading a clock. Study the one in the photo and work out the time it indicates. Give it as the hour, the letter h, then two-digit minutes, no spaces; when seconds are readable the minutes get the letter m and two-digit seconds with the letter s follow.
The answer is 6h34m03s
